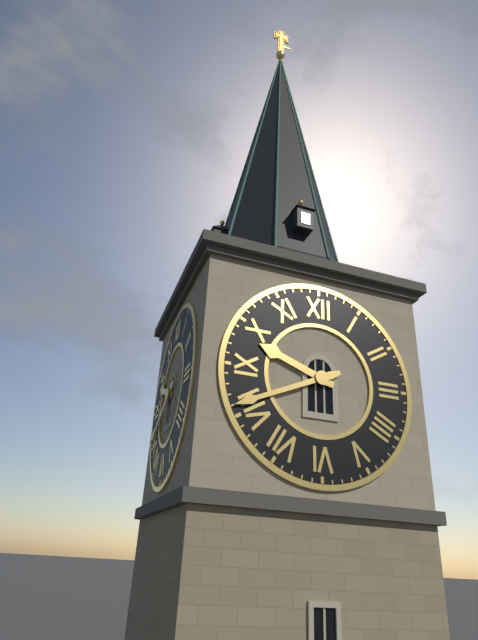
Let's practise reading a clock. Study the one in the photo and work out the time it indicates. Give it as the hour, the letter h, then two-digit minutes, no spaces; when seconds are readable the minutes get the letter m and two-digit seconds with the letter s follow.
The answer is 9h41
